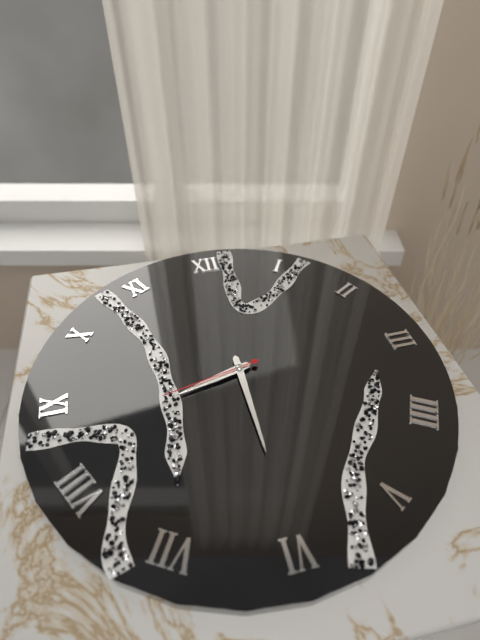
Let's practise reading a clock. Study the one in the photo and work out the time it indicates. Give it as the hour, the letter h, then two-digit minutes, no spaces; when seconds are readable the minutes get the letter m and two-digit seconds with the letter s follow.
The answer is 8h30m43s
